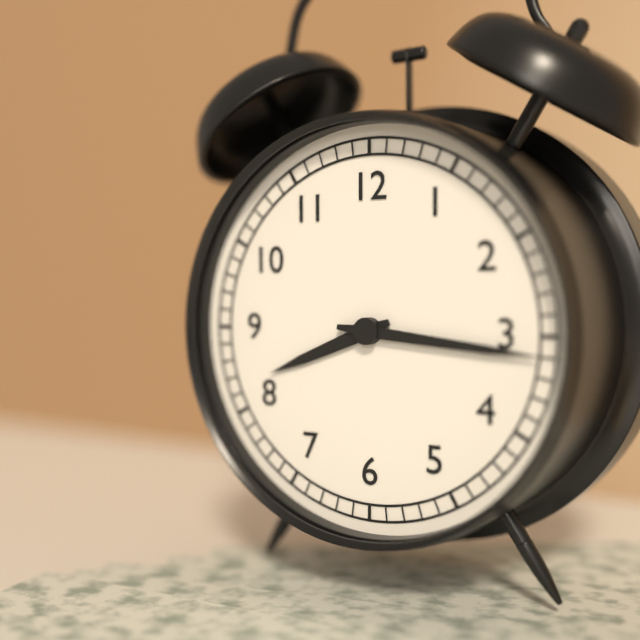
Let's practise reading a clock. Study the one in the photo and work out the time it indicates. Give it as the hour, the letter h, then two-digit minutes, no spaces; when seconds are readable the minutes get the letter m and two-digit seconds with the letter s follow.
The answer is 8h16
